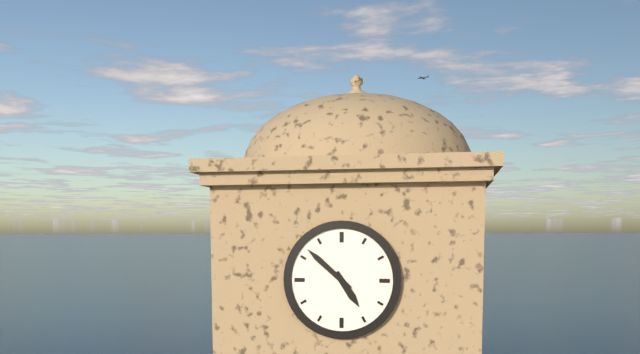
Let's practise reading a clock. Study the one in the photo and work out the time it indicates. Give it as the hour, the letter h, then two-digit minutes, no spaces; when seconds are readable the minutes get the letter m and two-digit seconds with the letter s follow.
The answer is 4h52
